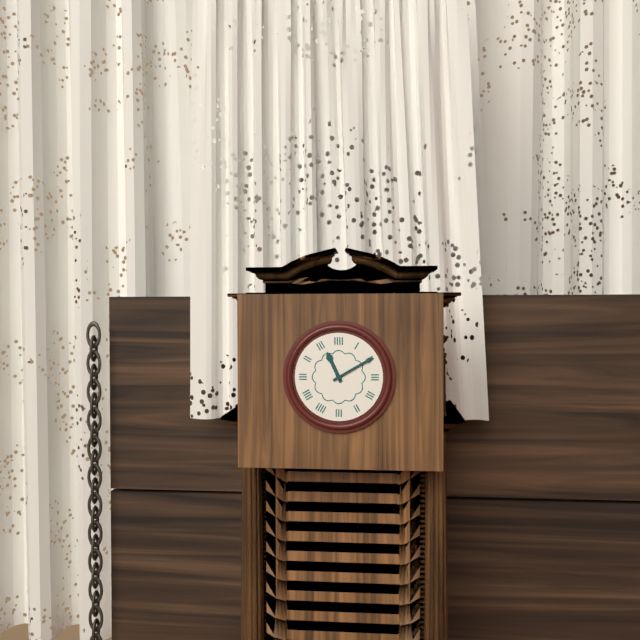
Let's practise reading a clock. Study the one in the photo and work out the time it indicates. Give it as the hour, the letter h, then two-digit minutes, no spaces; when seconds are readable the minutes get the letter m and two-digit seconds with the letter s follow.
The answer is 11h10
